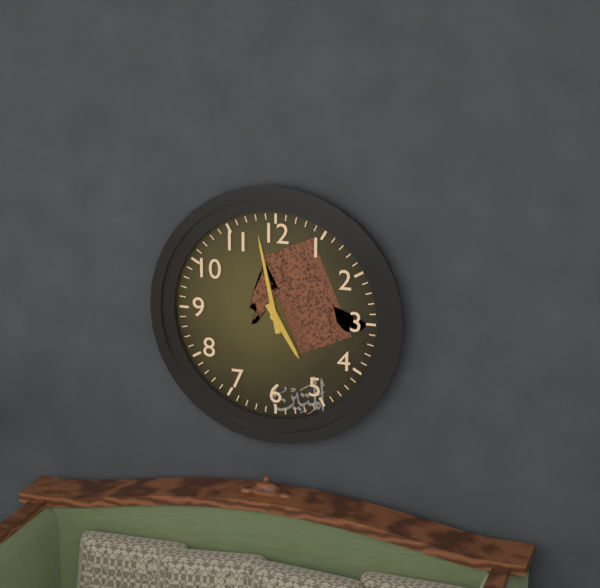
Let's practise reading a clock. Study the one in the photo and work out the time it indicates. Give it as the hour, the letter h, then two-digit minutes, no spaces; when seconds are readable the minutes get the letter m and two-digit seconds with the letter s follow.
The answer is 4h58
